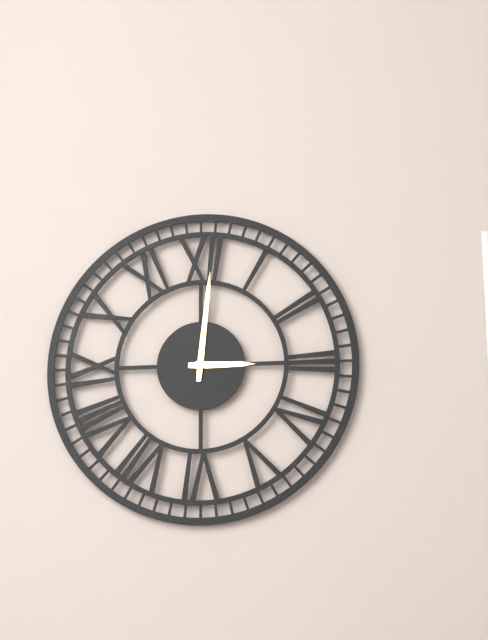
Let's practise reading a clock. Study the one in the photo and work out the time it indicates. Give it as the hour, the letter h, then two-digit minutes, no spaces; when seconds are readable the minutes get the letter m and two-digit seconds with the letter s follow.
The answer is 3h01
